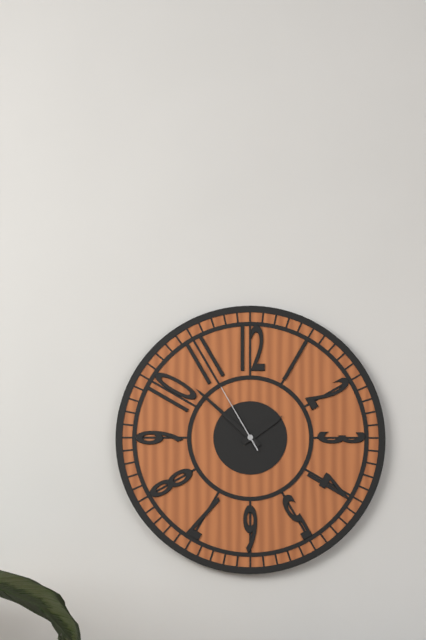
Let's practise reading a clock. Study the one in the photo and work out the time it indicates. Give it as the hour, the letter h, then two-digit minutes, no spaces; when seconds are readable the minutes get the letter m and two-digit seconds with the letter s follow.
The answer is 1h52m55s
